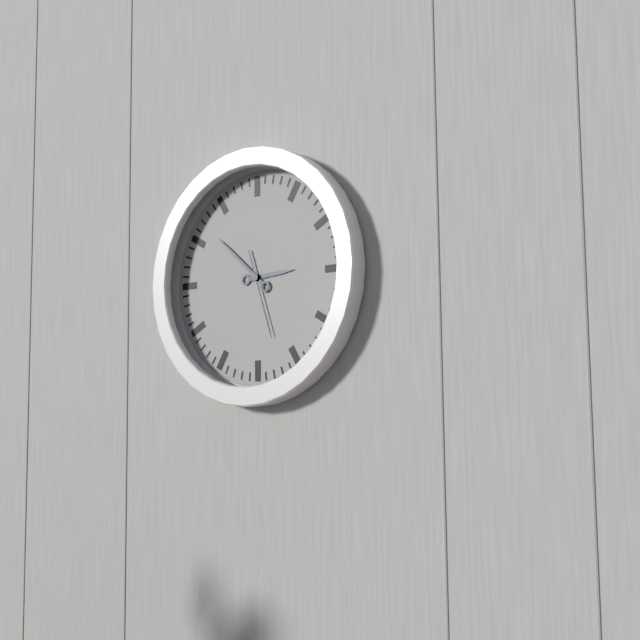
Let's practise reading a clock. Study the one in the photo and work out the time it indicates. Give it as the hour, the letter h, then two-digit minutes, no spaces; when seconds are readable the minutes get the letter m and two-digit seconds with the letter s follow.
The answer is 2h52m27s
